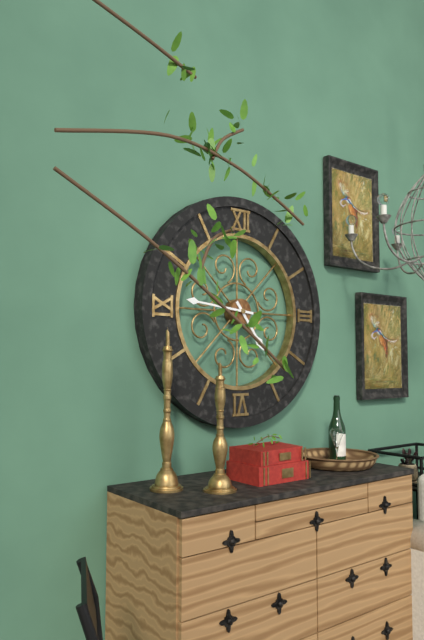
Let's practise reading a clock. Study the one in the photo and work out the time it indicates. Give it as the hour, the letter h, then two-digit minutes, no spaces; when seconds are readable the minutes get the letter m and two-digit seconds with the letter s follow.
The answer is 4h46
